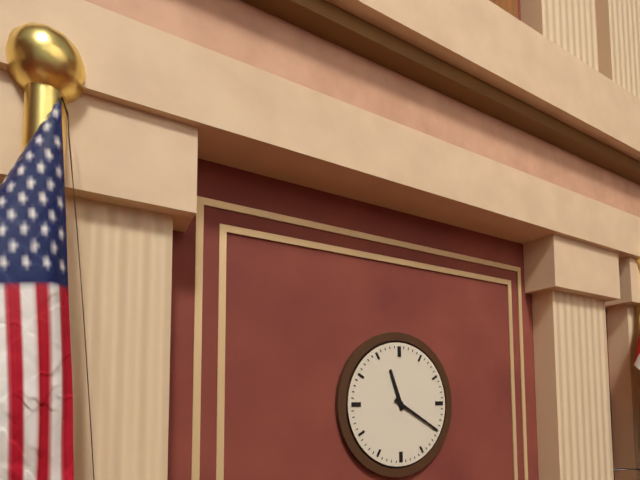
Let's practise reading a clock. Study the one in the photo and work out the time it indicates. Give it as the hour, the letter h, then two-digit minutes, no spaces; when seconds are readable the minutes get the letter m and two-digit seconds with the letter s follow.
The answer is 11h20
